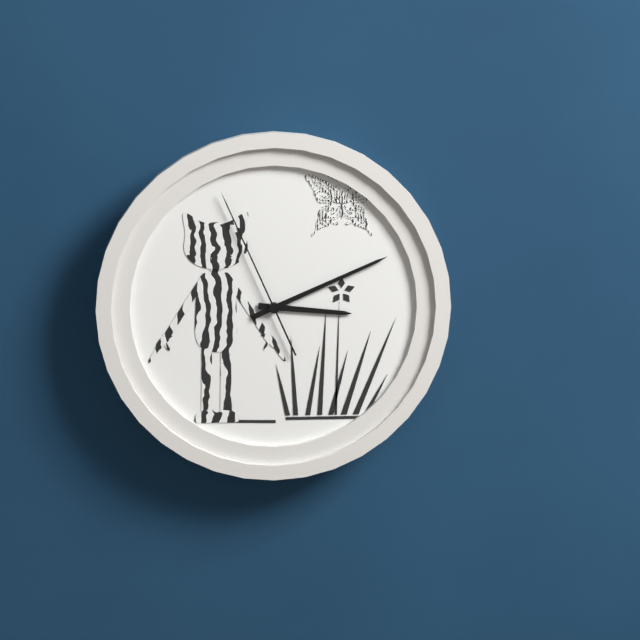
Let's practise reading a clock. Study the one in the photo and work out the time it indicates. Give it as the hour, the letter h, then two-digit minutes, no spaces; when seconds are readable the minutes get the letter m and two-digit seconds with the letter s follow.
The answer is 3h11m56s
